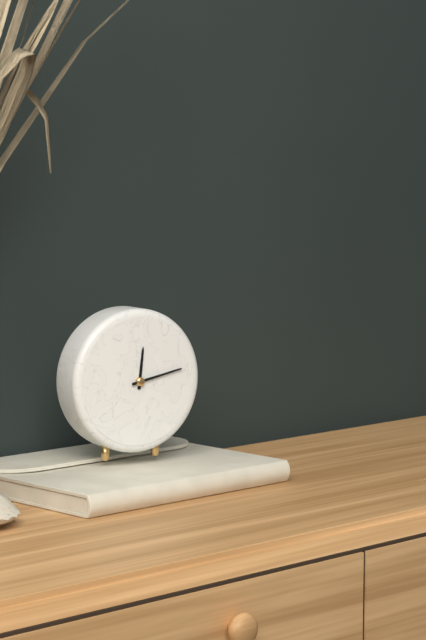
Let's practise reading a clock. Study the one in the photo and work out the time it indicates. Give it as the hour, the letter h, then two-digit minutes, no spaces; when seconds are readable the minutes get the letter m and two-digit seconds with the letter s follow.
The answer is 12h13
